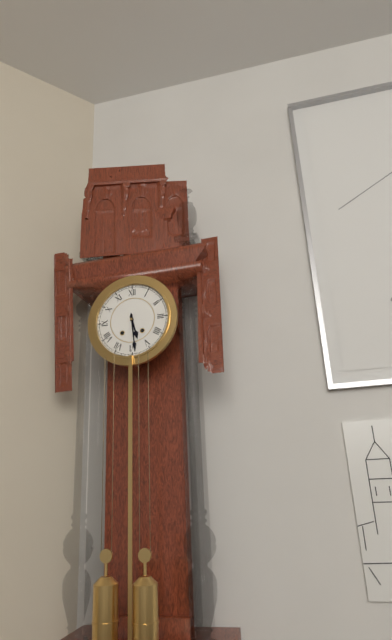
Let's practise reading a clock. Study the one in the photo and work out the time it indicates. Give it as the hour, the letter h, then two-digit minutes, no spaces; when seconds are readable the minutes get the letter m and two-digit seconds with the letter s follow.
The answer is 5h29
